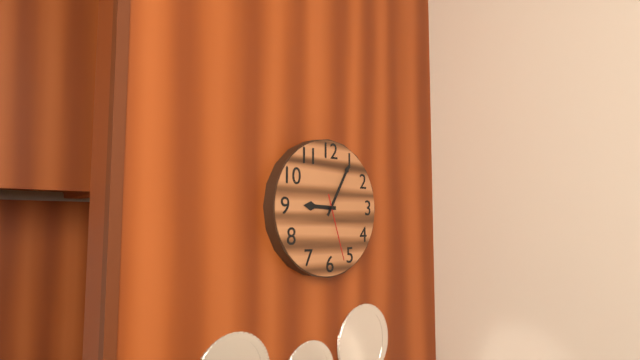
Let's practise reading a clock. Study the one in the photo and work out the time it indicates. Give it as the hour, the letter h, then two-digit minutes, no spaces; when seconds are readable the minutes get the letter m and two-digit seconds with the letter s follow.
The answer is 9h05m27s
